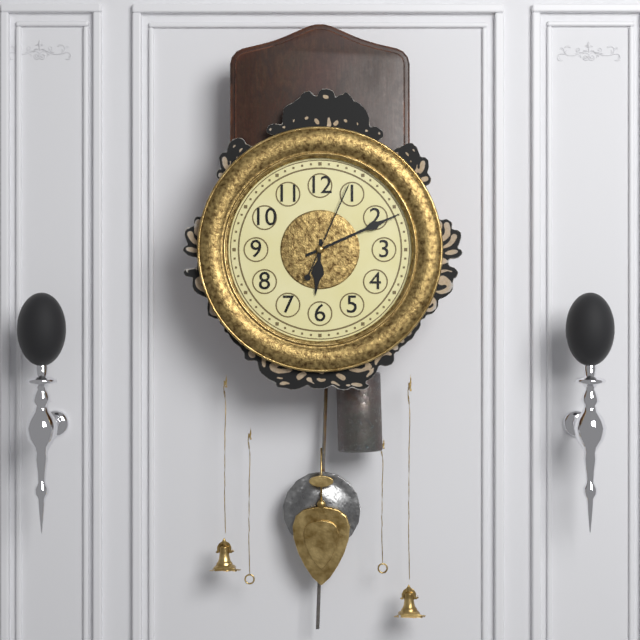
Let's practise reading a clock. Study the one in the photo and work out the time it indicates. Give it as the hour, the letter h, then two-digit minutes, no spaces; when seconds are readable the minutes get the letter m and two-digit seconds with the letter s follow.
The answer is 6h11m04s
